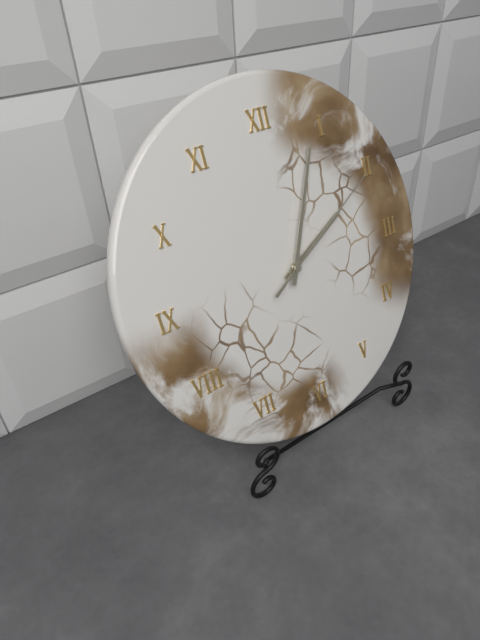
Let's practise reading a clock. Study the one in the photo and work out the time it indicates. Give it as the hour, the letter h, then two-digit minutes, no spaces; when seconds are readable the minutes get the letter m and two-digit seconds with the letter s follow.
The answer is 2h04m10s
